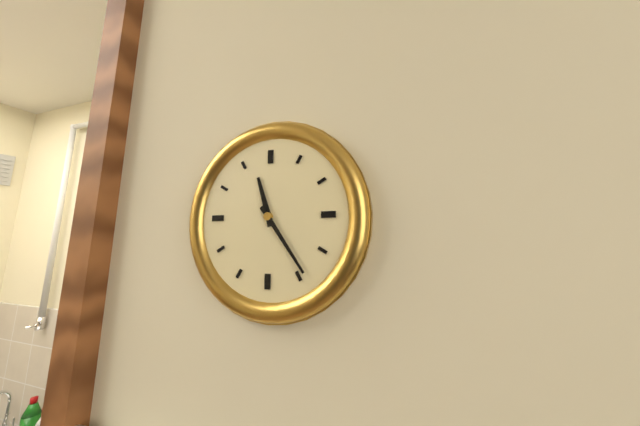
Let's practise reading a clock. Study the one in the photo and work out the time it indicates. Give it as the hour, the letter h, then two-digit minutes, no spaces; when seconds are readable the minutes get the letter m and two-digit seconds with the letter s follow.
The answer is 11h24
